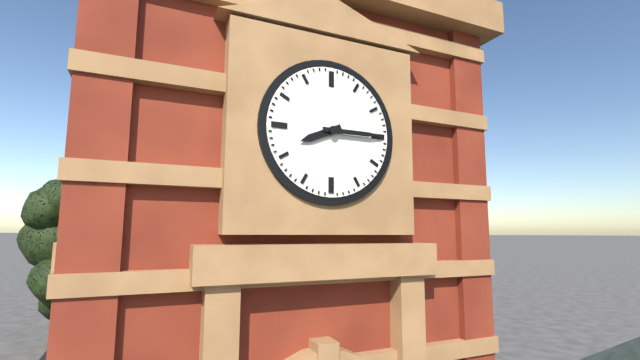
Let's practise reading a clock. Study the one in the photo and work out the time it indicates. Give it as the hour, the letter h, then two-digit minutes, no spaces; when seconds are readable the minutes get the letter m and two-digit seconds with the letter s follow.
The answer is 8h15
